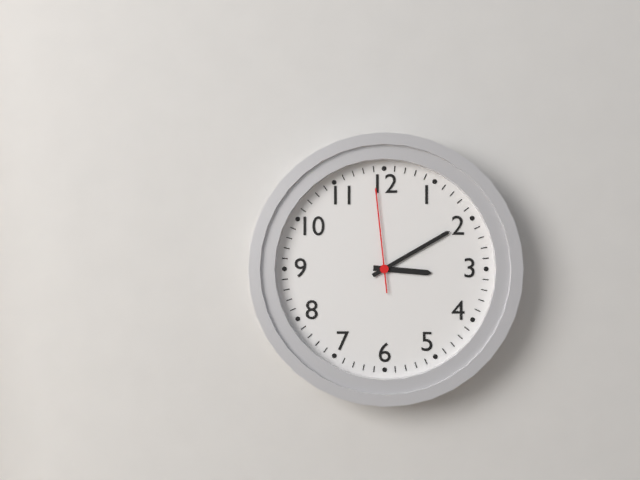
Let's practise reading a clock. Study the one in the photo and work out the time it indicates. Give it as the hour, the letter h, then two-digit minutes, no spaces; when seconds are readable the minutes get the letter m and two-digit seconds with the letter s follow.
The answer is 3h10m59s
